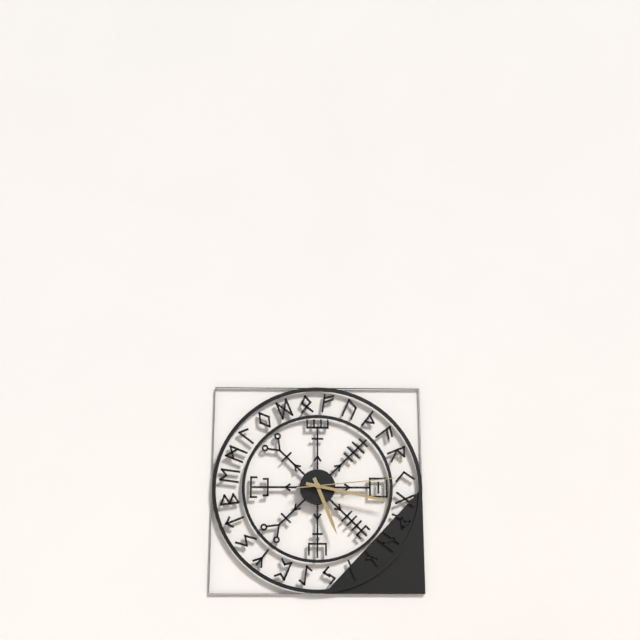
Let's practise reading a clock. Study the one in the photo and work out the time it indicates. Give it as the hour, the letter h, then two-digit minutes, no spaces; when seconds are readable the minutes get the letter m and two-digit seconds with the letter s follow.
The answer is 5h17m14s
